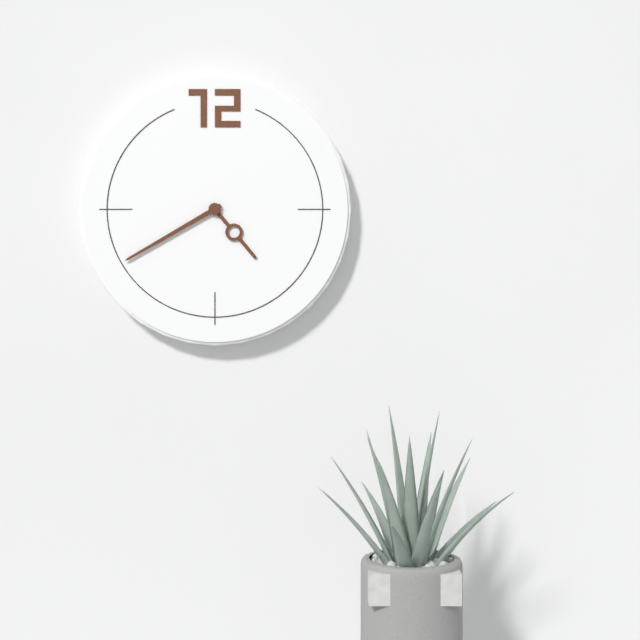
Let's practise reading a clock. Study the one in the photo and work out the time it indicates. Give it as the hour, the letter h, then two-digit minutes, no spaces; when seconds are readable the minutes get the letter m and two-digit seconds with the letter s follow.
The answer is 4h40
